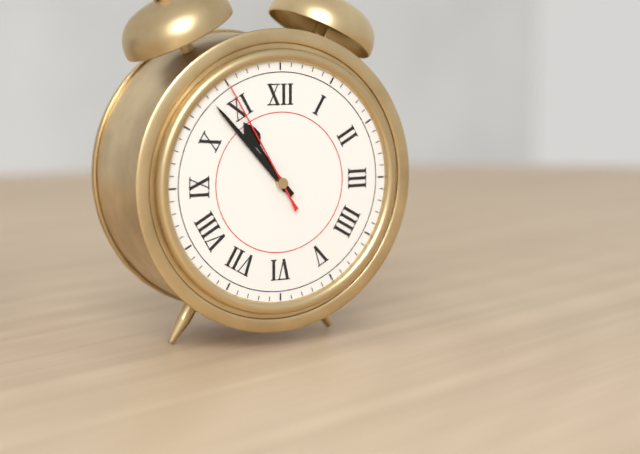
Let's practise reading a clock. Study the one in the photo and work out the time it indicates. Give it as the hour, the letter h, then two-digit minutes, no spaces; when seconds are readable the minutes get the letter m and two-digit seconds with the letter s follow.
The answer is 10h53m55s
